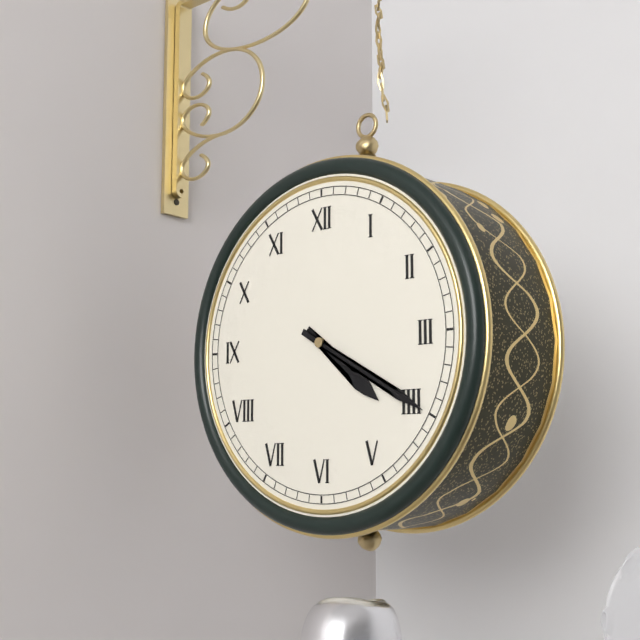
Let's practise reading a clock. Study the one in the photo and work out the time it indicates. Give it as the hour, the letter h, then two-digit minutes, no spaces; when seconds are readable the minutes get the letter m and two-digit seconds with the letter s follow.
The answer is 4h20
